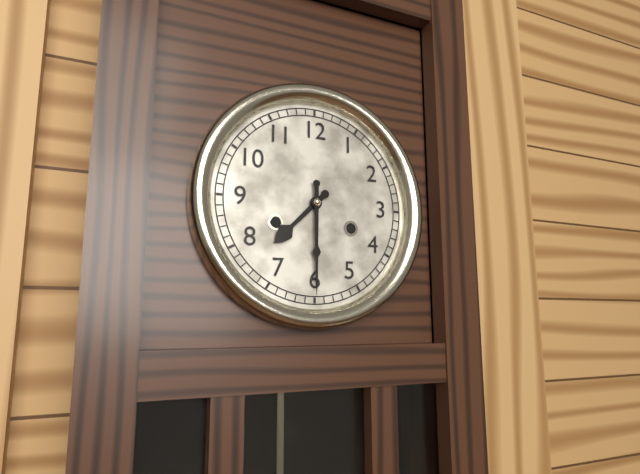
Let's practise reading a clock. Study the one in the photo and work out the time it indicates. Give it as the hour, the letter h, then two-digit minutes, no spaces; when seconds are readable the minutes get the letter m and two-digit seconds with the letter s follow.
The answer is 7h30
